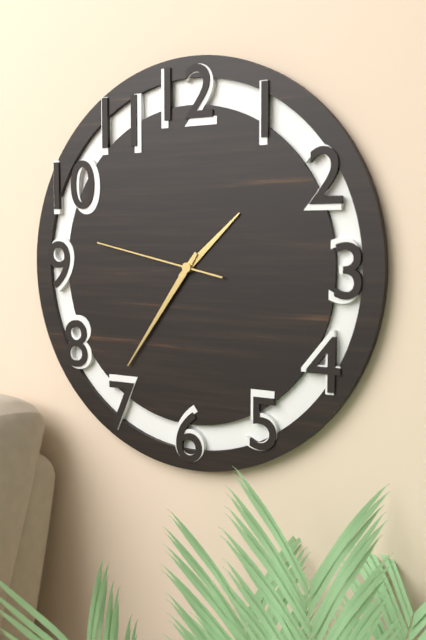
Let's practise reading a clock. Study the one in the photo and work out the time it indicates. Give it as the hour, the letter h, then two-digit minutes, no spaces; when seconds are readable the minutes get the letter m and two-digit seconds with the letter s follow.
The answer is 1h36m47s
